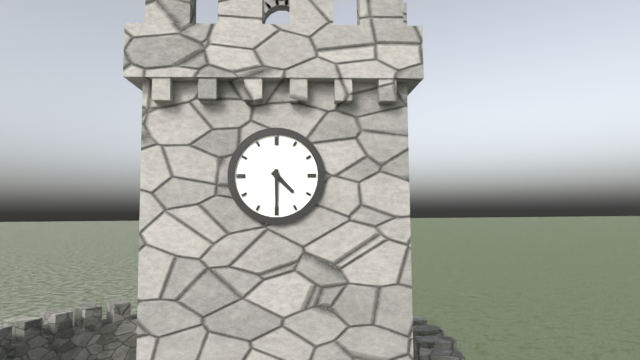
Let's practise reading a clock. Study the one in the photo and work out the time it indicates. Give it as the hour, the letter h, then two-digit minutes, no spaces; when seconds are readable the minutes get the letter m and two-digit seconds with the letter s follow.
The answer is 4h30
